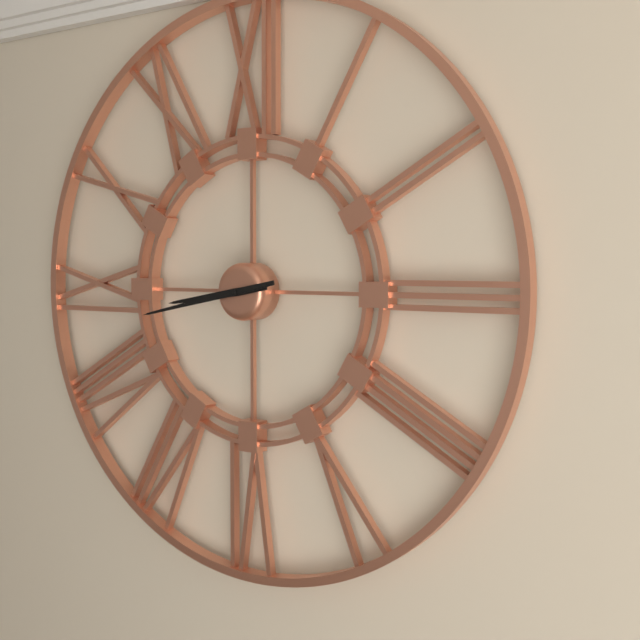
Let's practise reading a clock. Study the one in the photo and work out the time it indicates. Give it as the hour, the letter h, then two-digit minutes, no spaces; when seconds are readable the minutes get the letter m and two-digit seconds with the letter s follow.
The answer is 8h43
